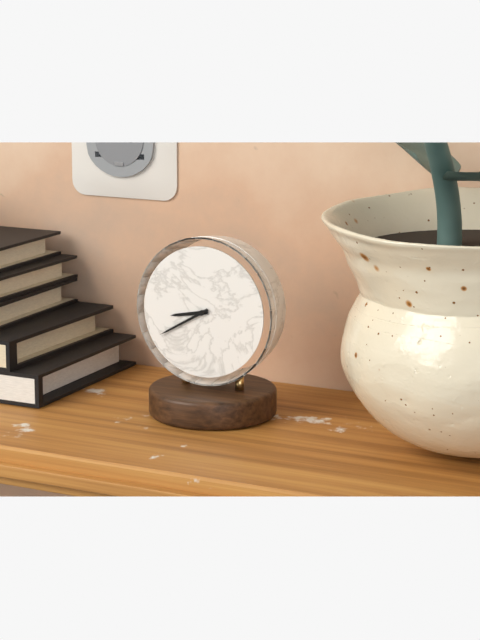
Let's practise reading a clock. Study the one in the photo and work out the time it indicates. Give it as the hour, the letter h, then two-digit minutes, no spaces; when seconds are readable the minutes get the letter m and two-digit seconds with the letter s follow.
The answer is 8h40
